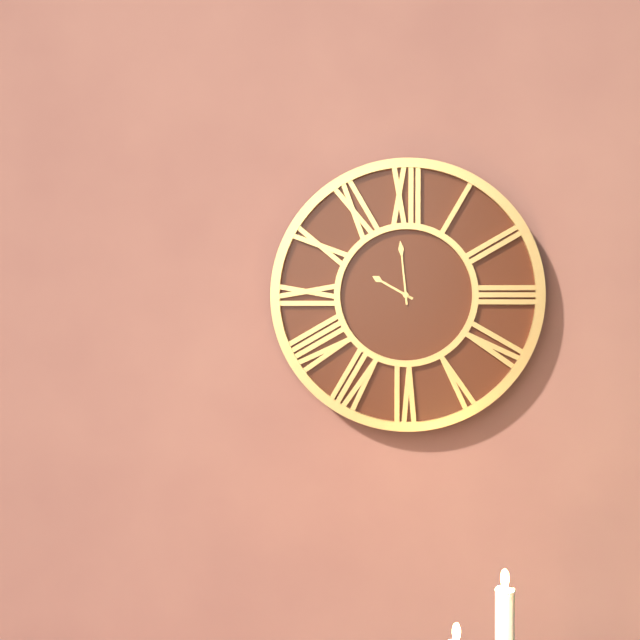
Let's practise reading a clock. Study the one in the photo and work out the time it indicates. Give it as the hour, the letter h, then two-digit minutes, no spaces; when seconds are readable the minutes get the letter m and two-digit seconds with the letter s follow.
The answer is 9h59
